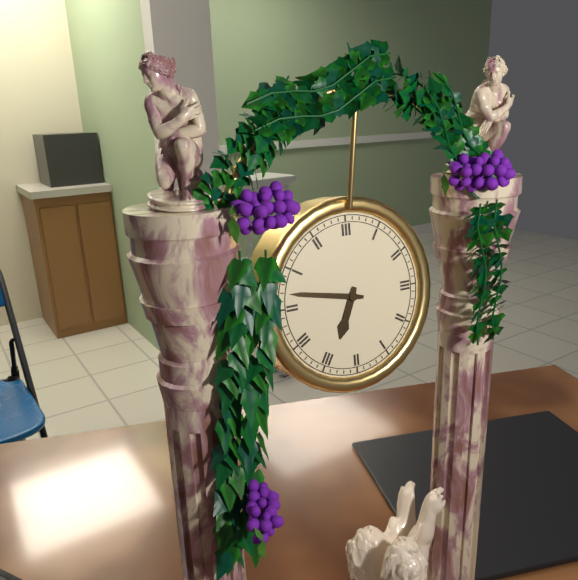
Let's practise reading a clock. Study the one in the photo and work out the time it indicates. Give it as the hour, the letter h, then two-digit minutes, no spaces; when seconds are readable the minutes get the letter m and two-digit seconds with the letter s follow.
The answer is 6h47
